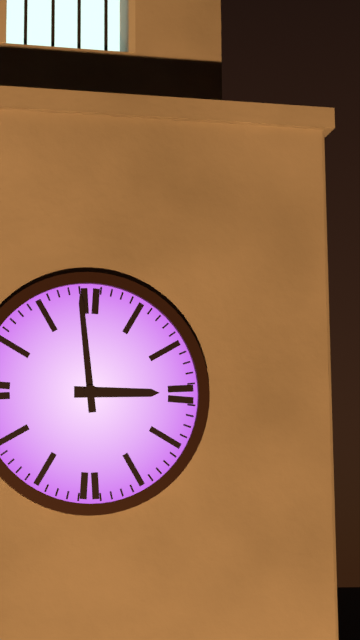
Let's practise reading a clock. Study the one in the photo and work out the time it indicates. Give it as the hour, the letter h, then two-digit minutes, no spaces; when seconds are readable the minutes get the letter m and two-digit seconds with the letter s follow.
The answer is 2h59
